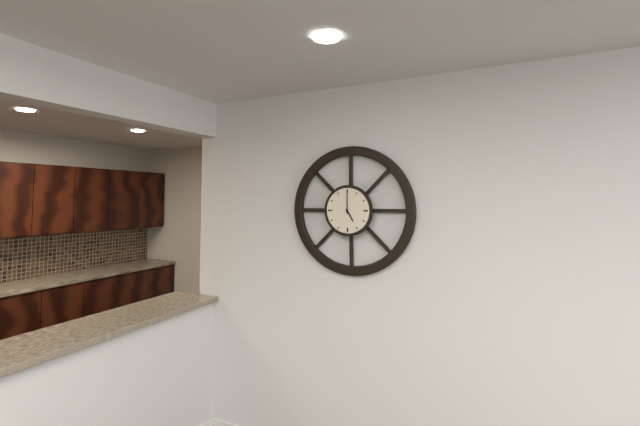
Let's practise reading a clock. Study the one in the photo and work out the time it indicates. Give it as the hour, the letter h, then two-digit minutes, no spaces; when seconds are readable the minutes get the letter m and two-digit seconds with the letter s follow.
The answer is 5h00
